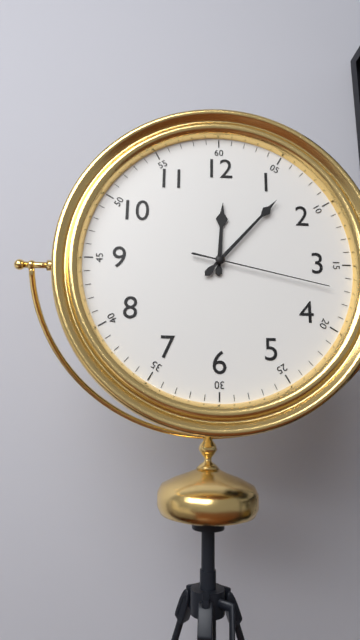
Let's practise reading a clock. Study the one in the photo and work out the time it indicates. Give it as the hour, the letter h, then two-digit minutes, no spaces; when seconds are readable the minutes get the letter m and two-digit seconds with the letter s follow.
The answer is 12h07m17s
